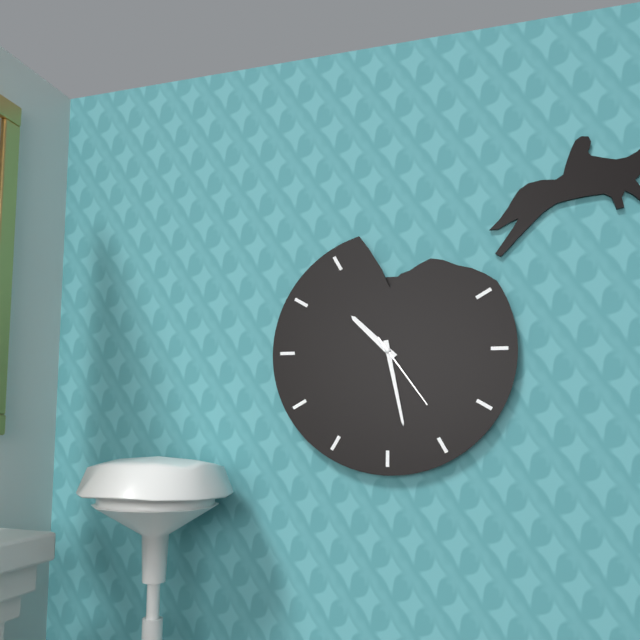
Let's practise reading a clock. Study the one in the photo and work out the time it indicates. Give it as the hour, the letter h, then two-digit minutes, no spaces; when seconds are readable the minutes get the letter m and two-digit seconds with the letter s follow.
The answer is 10h28m24s
